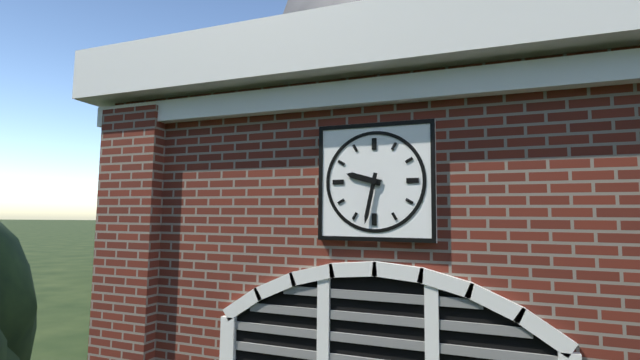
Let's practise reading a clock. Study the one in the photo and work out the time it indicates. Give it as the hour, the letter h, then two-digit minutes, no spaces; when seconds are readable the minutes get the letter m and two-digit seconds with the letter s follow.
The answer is 9h32
